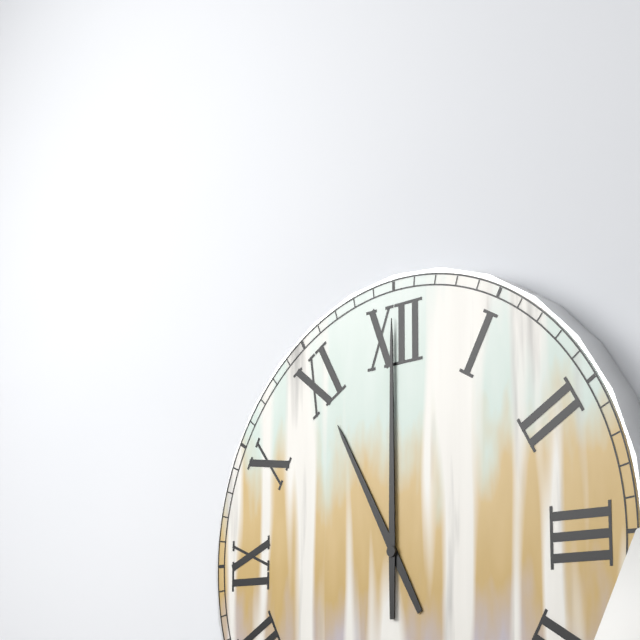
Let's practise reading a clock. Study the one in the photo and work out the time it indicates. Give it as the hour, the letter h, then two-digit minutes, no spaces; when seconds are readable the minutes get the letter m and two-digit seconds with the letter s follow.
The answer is 11h00
